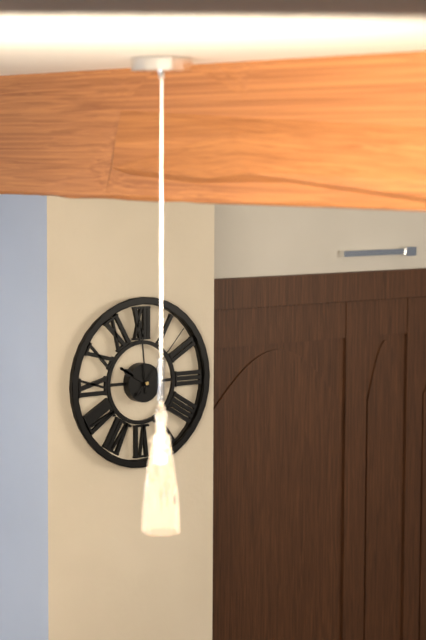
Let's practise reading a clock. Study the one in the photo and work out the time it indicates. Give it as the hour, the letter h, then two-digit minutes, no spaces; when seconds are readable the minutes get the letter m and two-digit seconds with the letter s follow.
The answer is 9h59m07s
